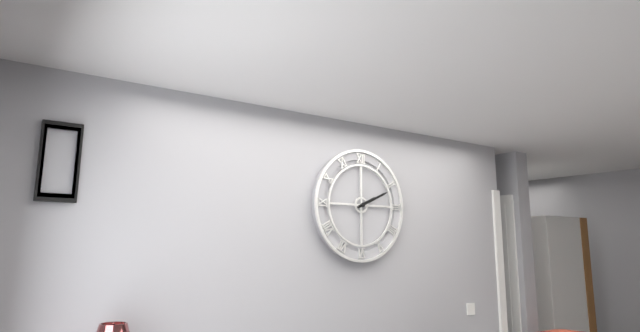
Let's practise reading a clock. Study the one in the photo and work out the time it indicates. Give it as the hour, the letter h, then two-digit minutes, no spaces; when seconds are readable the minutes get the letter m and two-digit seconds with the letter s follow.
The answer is 2h11
